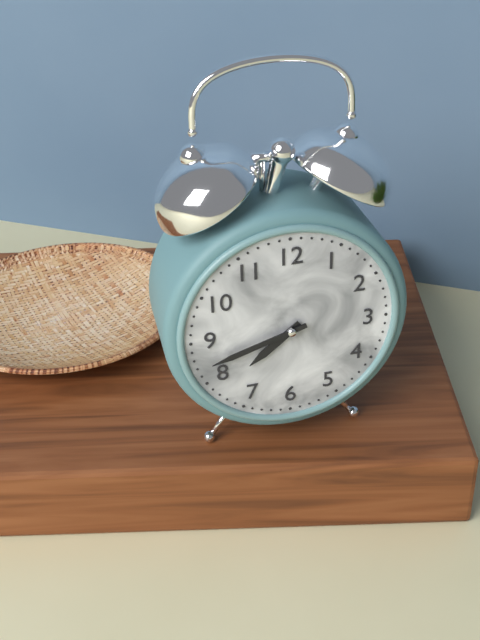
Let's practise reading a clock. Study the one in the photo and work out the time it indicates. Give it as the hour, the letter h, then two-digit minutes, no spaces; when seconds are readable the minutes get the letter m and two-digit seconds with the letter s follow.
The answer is 7h42
